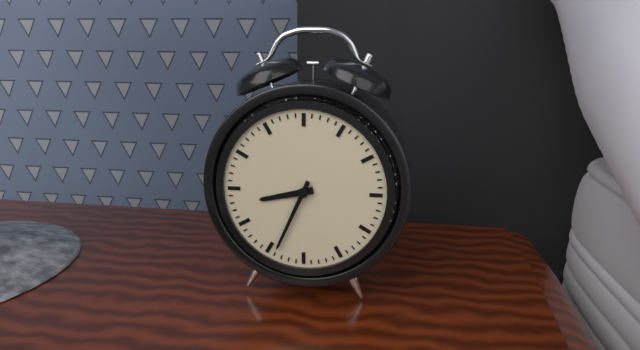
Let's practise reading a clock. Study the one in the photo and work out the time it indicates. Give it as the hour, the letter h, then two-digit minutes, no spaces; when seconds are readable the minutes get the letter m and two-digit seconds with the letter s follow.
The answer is 8h34
